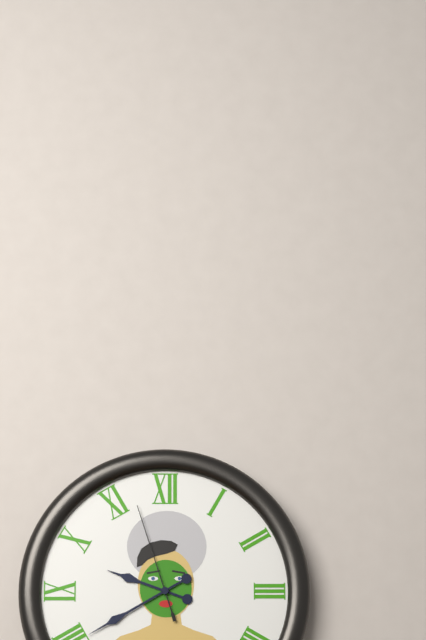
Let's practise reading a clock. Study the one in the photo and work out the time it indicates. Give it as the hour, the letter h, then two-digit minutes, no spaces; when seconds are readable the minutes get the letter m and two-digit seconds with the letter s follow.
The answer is 9h40m57s
